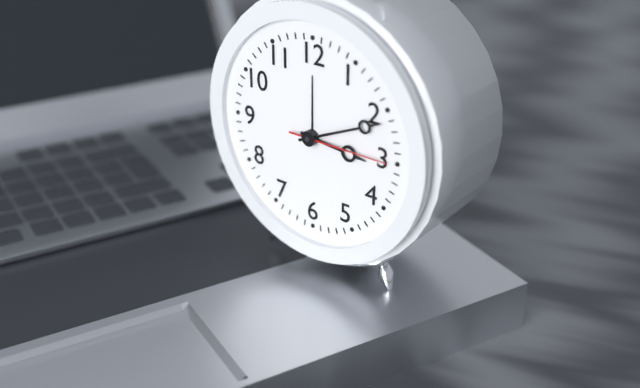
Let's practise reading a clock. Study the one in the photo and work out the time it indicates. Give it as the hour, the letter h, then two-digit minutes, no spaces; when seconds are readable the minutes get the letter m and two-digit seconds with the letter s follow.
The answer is 3h11m15s
